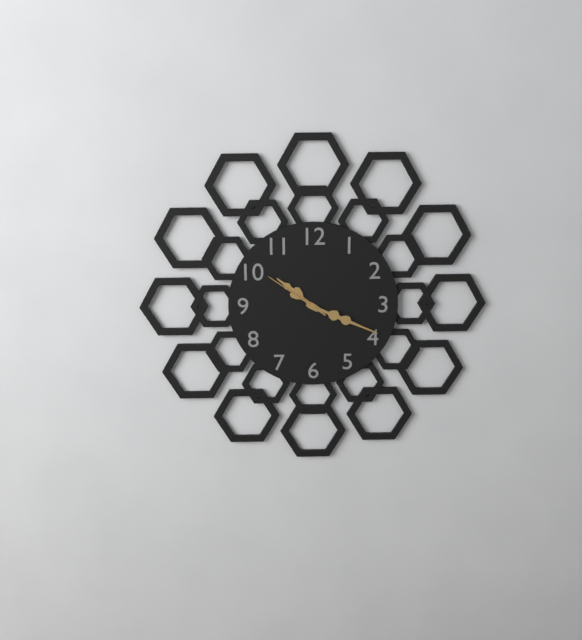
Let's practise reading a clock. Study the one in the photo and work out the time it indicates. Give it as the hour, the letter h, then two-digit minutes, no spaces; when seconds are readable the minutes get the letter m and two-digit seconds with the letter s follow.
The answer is 10h19m51s
